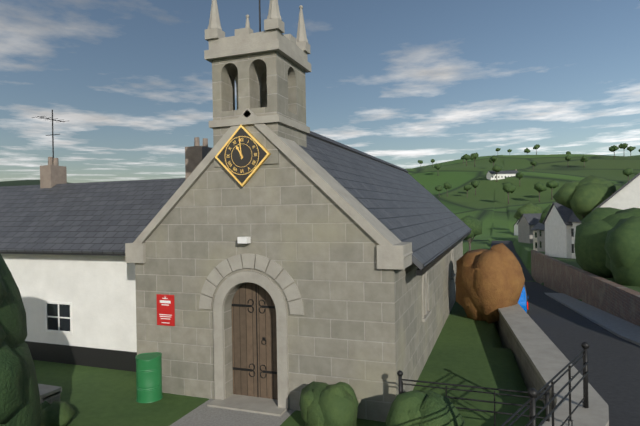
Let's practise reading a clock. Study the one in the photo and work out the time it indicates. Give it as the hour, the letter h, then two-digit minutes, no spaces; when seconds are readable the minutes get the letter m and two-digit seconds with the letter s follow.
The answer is 10h59
